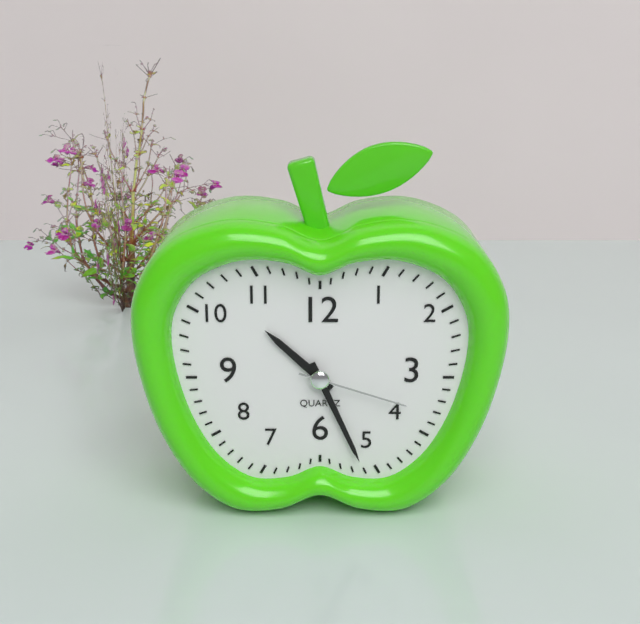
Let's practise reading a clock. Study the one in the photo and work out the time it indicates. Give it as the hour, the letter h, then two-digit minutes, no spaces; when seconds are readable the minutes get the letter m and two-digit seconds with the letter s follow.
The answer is 10h26m18s
